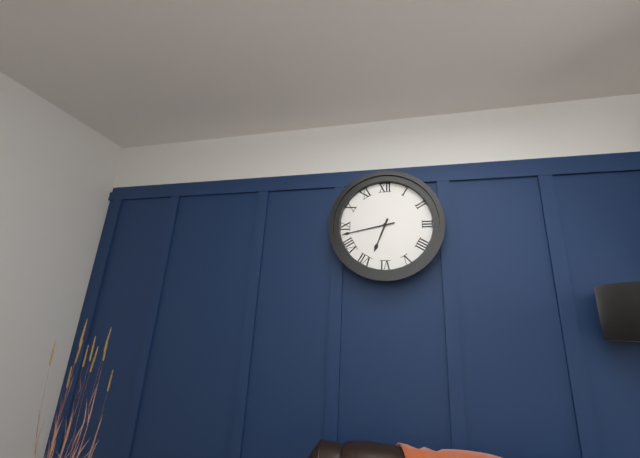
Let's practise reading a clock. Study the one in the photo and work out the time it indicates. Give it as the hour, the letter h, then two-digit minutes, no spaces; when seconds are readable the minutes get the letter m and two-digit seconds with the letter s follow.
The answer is 6h43
